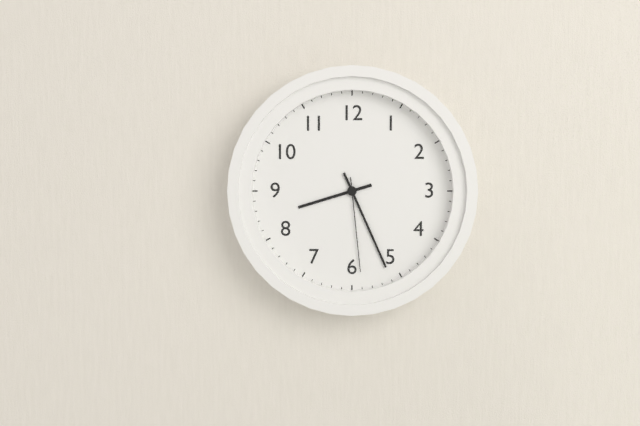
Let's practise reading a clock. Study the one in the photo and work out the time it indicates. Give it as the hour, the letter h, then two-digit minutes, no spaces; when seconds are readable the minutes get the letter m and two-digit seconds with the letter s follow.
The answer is 8h26m29s
